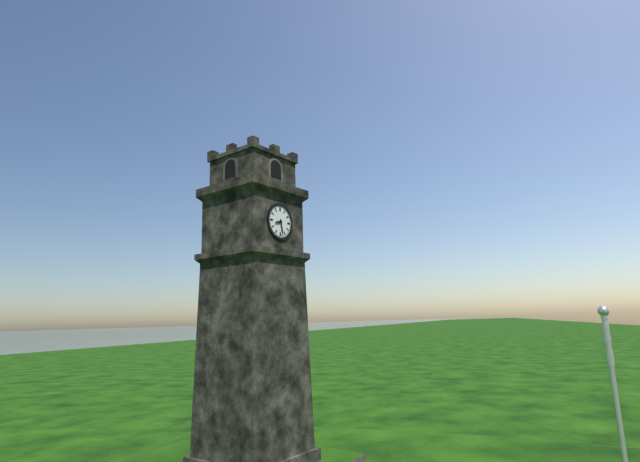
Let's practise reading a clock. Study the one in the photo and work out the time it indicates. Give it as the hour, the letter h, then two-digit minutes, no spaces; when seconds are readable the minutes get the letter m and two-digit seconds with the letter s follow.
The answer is 8h28
